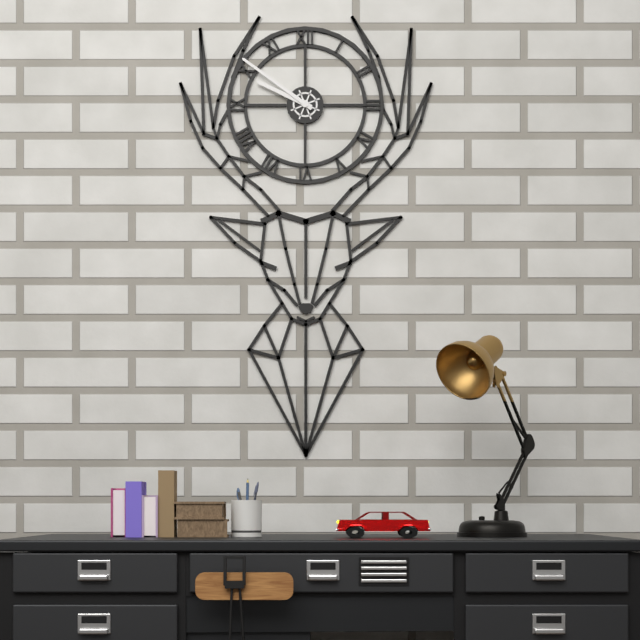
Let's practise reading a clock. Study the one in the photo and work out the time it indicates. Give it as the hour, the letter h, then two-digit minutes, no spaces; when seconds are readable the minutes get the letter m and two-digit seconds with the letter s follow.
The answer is 9h51
